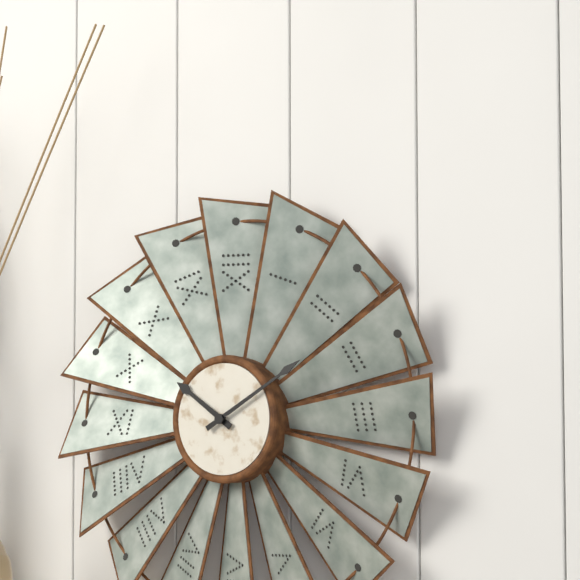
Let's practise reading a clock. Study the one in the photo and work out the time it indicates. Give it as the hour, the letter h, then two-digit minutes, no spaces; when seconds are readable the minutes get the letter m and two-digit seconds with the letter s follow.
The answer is 10h10
